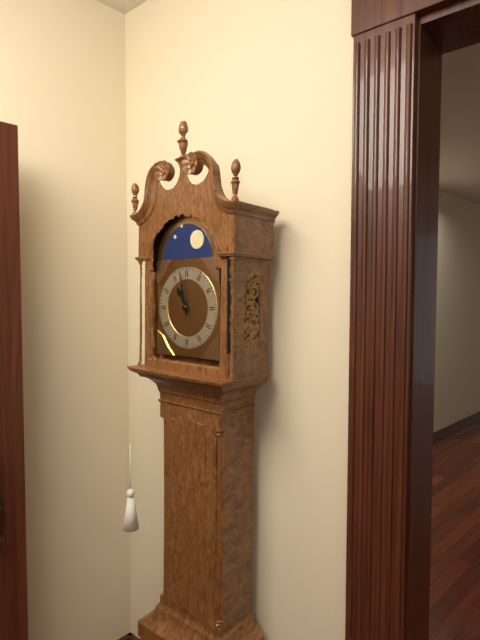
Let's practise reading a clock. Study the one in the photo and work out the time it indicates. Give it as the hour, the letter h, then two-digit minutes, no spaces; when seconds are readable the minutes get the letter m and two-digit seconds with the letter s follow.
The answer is 10h58
